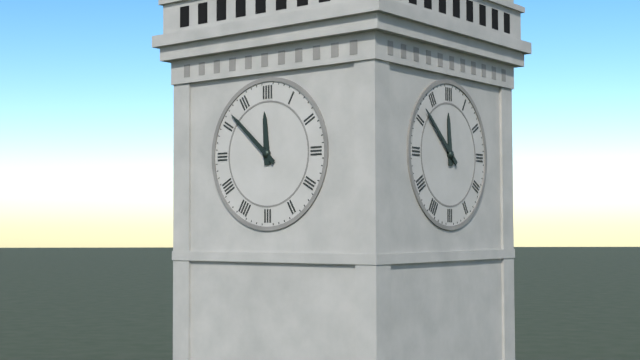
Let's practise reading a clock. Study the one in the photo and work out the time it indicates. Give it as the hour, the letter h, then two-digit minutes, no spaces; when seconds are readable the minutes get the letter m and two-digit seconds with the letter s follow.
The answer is 11h52
